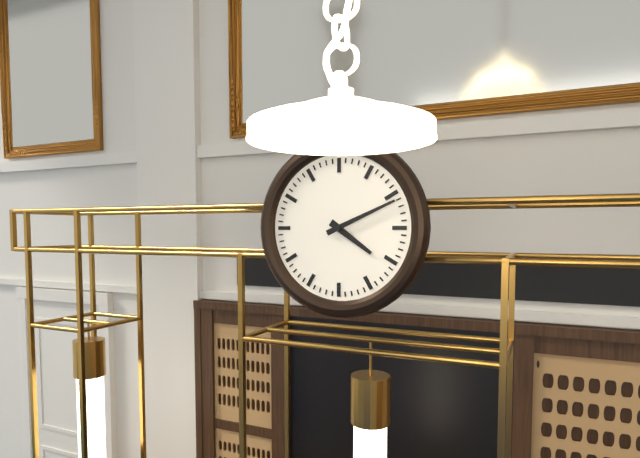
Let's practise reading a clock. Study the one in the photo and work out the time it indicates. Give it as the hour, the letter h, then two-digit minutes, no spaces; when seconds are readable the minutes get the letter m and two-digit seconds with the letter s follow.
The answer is 4h11
